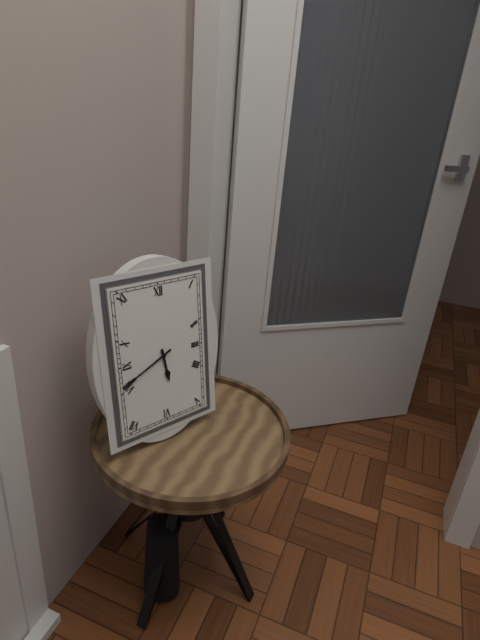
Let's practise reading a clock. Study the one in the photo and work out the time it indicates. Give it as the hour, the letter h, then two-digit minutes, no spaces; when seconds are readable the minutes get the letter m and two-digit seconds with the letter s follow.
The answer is 5h41
